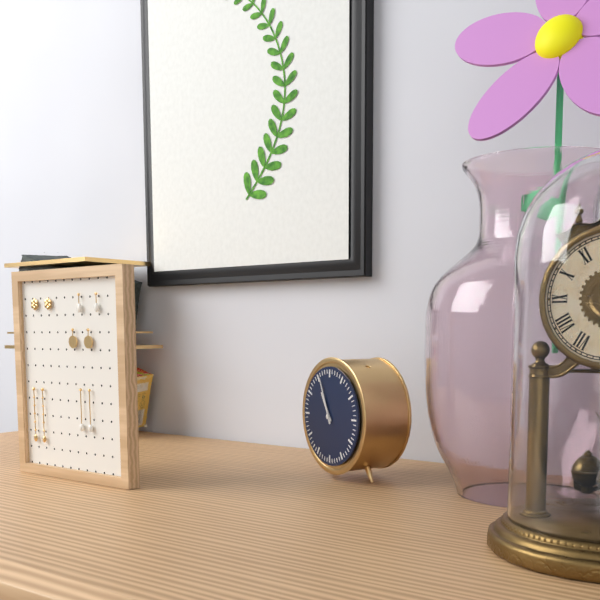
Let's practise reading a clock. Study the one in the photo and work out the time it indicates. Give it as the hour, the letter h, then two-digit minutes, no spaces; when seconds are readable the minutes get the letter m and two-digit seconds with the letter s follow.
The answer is 10h56
